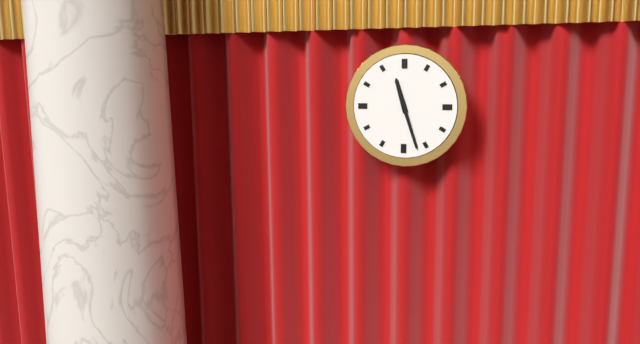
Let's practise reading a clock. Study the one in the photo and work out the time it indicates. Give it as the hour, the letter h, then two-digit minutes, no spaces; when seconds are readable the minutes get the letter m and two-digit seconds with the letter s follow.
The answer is 11h27
